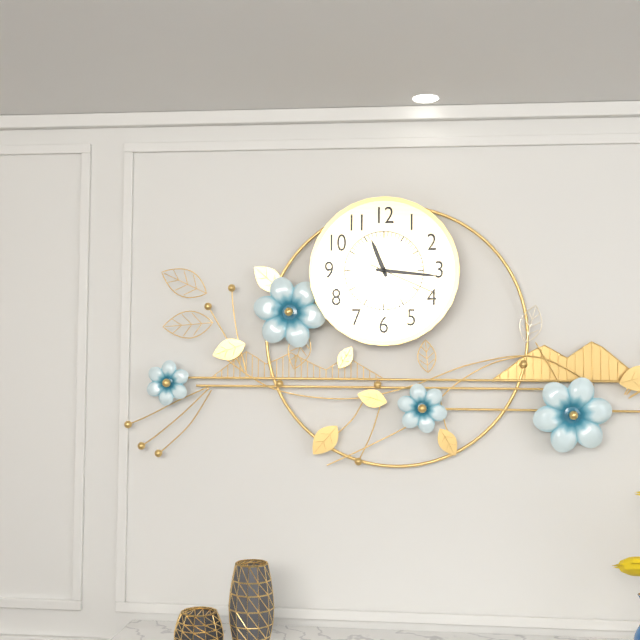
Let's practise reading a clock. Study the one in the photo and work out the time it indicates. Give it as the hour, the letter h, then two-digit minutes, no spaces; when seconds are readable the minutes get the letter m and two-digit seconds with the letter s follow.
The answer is 11h16m19s
